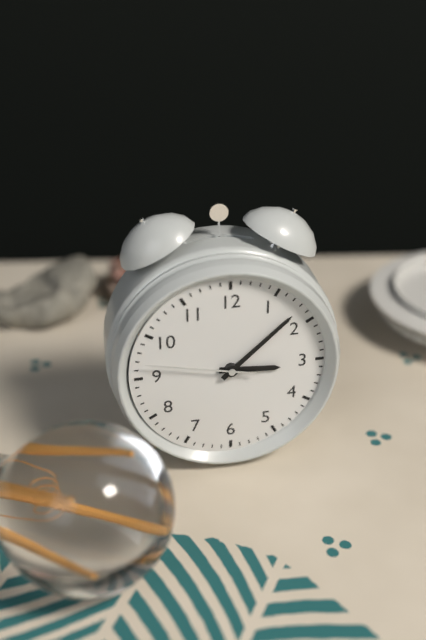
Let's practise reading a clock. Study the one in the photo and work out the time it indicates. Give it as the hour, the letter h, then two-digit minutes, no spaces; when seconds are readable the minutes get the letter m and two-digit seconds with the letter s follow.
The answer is 3h08m47s
